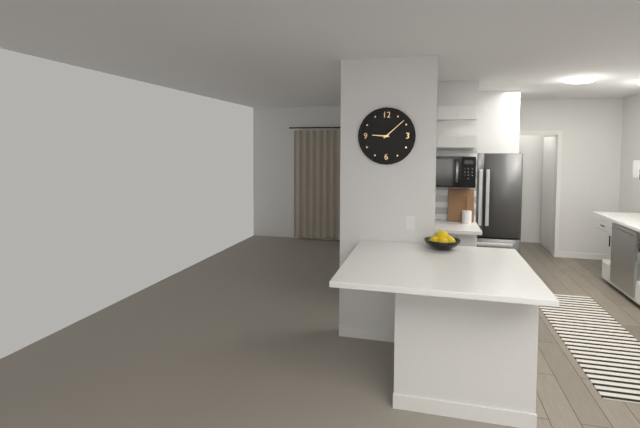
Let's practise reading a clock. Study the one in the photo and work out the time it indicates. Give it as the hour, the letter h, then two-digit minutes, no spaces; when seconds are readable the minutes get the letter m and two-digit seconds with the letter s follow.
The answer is 9h08
